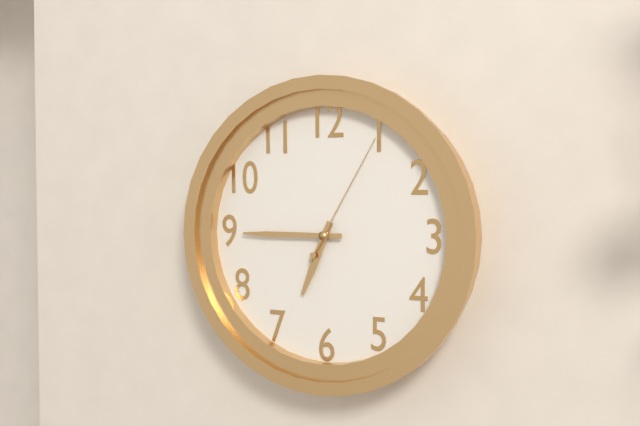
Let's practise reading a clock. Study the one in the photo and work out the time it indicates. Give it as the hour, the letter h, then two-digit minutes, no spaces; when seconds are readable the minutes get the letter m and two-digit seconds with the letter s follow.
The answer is 6h45m05s
